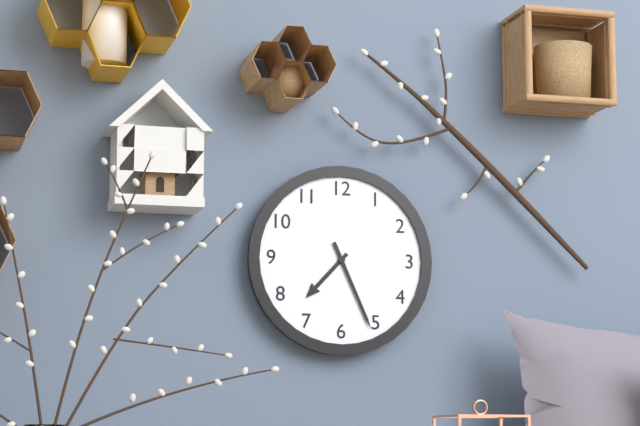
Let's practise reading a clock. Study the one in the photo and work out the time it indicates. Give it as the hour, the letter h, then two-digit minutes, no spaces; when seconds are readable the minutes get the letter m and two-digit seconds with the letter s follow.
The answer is 7h26
